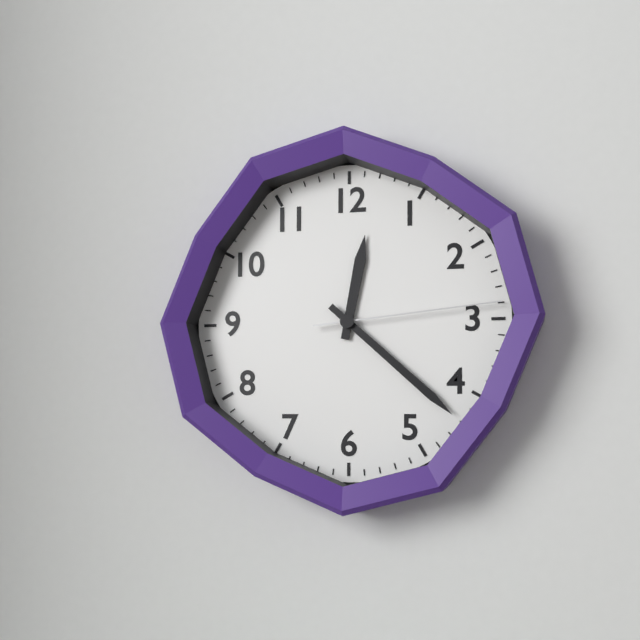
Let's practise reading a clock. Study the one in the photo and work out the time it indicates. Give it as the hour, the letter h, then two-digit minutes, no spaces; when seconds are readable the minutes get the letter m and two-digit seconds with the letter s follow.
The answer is 12h22m14s
